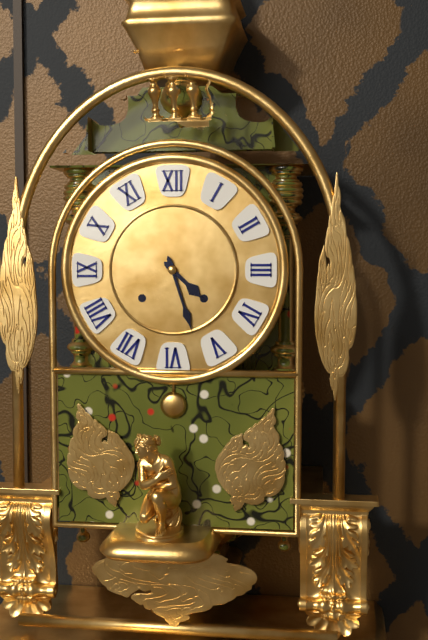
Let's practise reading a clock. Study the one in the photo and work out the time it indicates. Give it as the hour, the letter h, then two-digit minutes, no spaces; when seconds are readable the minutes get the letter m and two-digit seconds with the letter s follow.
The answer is 4h27
